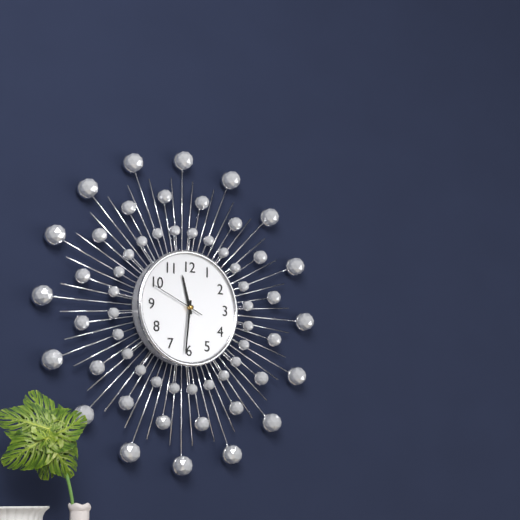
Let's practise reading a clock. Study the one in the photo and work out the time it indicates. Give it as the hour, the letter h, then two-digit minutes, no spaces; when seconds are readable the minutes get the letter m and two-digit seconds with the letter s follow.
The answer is 11h31m49s
